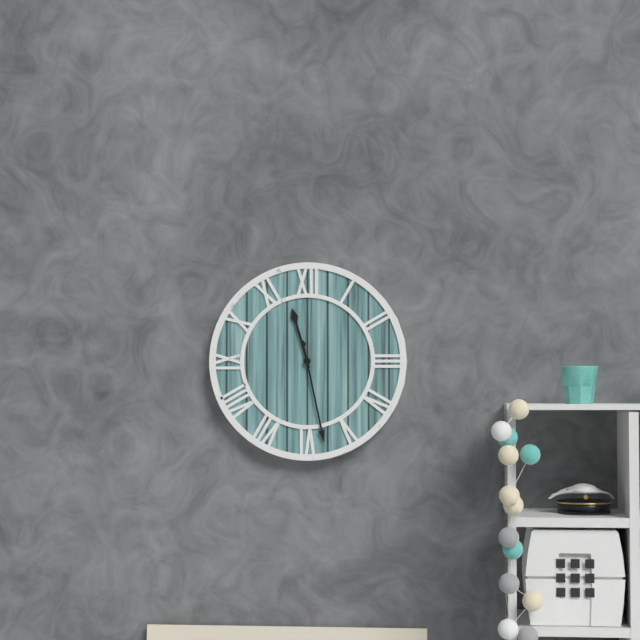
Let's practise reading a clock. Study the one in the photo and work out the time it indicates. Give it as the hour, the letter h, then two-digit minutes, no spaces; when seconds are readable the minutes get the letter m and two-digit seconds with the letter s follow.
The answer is 11h28
